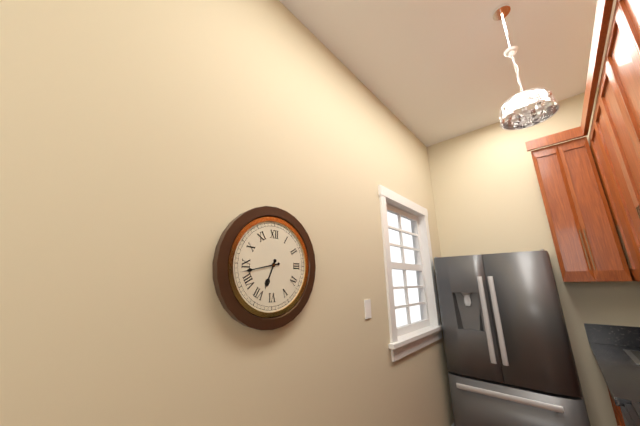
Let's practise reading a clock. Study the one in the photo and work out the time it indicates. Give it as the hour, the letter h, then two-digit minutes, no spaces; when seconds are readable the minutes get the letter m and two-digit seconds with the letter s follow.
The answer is 6h43
